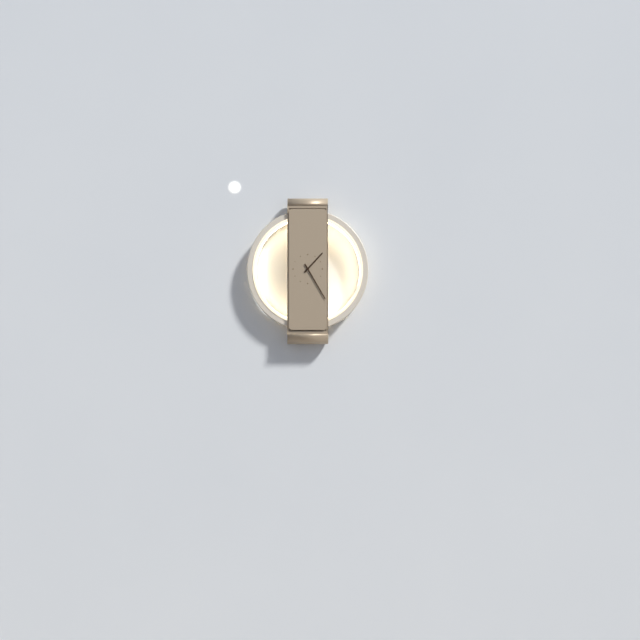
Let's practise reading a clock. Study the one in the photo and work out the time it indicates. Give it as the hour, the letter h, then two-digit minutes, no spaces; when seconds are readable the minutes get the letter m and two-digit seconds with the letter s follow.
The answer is 1h25
